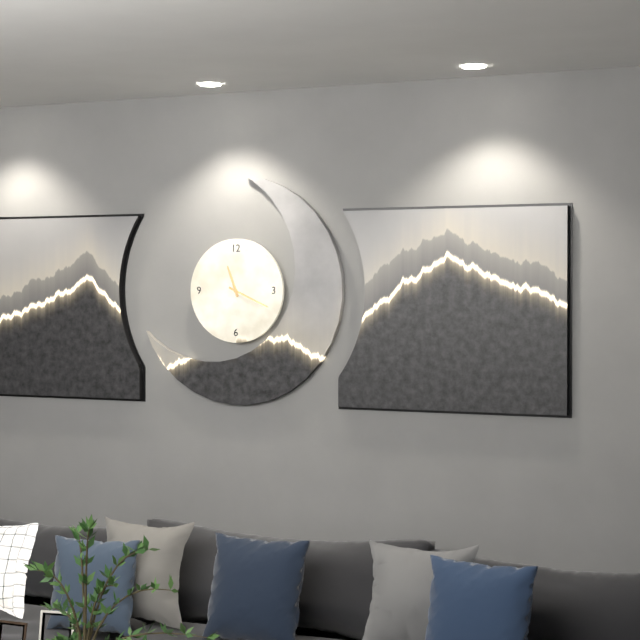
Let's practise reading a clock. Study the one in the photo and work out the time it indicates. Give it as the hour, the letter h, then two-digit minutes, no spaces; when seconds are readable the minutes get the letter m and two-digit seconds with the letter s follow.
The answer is 11h19
